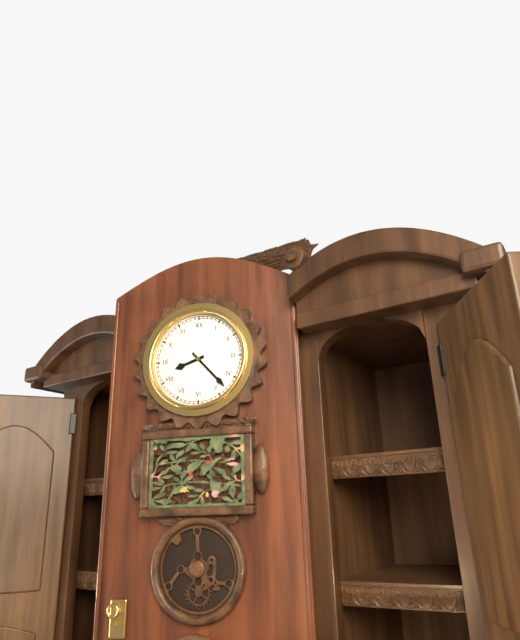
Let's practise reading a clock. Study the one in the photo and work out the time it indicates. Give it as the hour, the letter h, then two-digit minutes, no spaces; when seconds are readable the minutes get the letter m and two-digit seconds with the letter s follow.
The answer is 8h23
